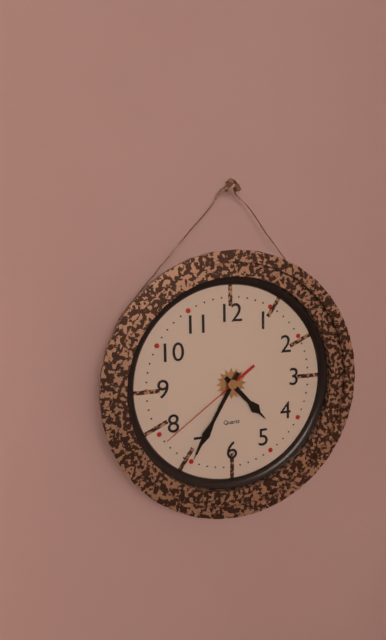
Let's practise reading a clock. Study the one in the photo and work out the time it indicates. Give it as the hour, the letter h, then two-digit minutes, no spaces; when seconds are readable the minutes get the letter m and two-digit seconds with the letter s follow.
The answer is 4h35m39s
